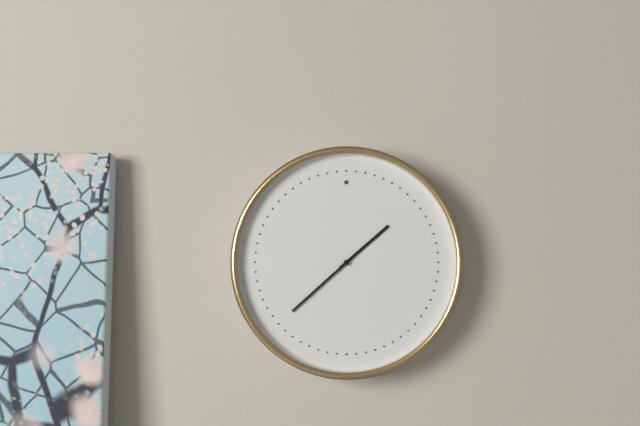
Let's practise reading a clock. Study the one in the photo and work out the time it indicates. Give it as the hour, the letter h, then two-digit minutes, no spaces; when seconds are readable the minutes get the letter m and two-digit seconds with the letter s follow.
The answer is 1h38
